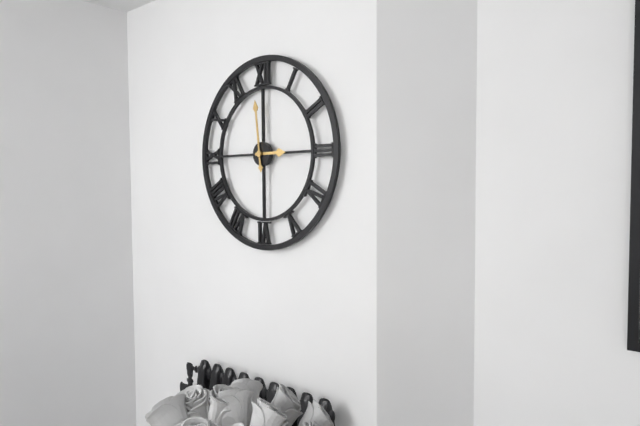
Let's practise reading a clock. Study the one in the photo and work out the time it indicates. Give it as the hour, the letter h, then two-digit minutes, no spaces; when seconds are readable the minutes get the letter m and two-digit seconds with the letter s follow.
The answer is 2h59
